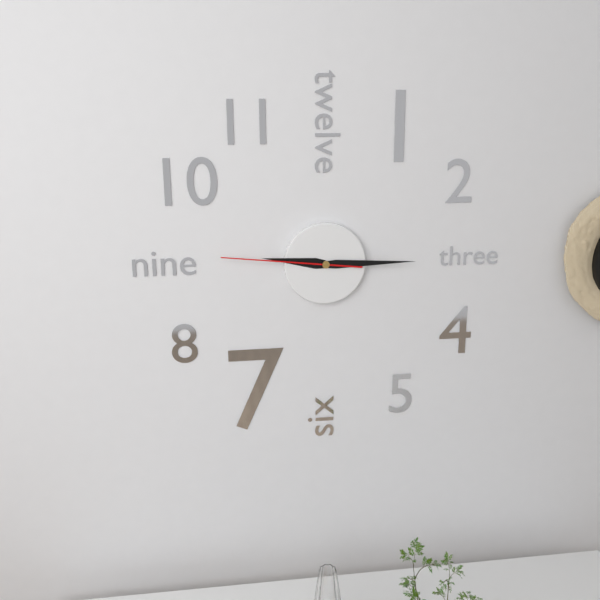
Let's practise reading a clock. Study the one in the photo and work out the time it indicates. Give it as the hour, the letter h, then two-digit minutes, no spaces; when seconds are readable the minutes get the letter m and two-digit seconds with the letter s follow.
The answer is 9h15m46s
